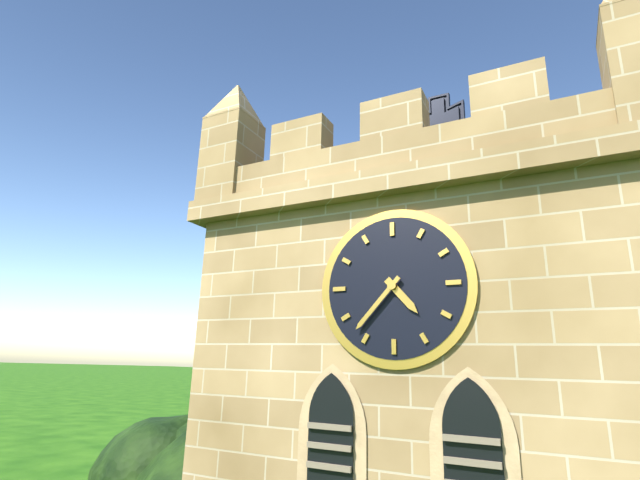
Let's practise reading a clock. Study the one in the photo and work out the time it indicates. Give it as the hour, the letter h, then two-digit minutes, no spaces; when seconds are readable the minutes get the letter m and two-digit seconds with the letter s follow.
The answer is 4h37
